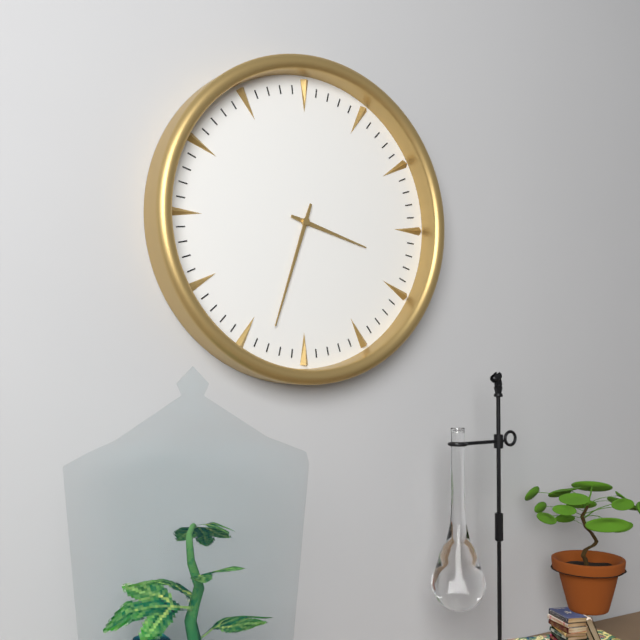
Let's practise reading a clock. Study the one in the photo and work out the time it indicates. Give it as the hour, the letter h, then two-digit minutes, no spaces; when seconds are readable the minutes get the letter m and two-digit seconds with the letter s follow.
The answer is 3h33
